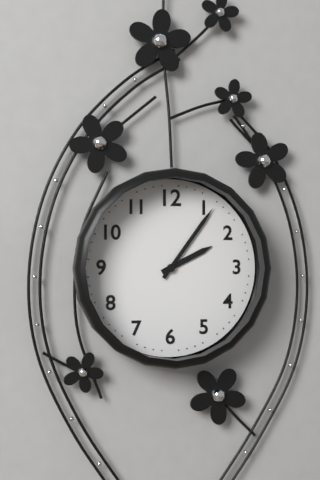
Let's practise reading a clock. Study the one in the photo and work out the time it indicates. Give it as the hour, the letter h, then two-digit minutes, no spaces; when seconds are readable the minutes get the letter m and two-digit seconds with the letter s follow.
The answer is 2h06
